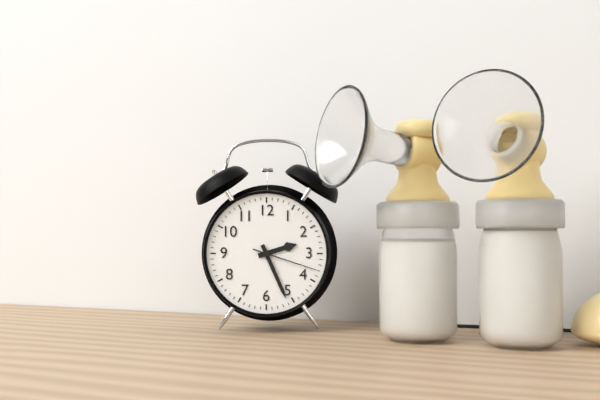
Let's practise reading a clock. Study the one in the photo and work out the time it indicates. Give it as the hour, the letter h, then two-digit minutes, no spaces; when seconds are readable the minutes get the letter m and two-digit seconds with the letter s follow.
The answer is 2h26m18s
